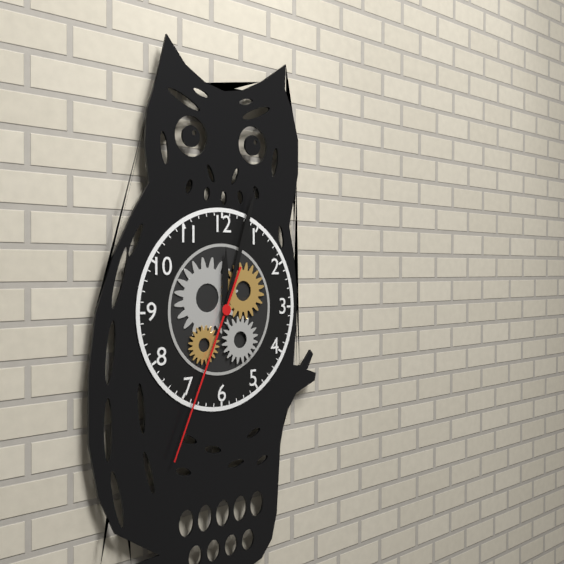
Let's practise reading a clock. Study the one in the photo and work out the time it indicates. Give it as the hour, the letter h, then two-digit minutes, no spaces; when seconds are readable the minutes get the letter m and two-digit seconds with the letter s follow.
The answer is 12h03m34s
